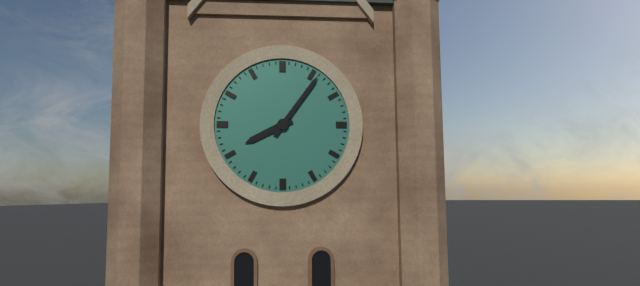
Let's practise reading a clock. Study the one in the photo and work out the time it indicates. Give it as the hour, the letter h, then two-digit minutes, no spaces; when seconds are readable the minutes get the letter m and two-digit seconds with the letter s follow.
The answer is 8h06
